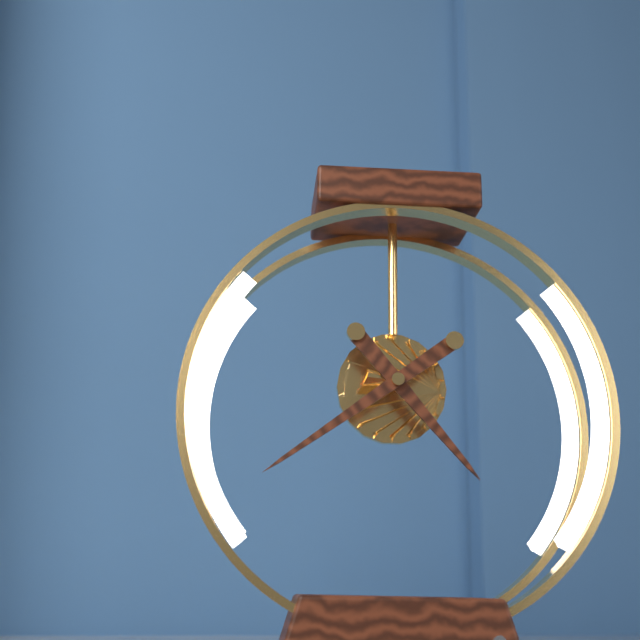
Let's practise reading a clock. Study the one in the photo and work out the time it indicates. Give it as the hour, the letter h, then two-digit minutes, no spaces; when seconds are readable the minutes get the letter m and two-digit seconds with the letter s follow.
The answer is 4h39
